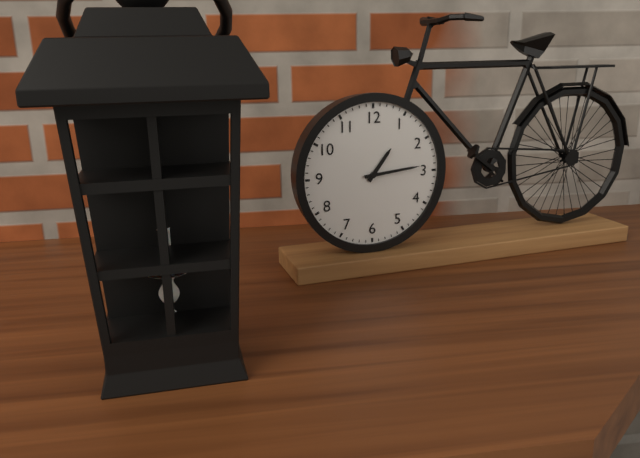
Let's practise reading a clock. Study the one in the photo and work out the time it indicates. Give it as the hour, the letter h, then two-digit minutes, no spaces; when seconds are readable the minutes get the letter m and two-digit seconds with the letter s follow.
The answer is 1h14
